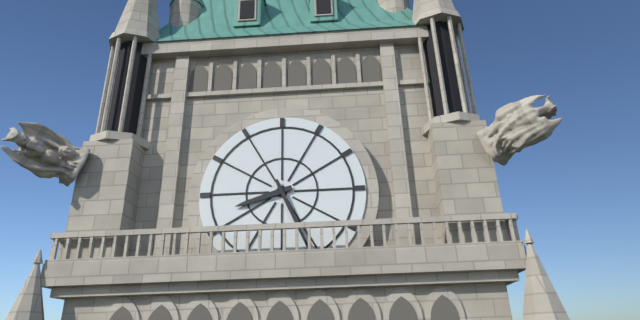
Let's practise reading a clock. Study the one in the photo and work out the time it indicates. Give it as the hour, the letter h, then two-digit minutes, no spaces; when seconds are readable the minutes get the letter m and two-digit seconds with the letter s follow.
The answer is 8h26
